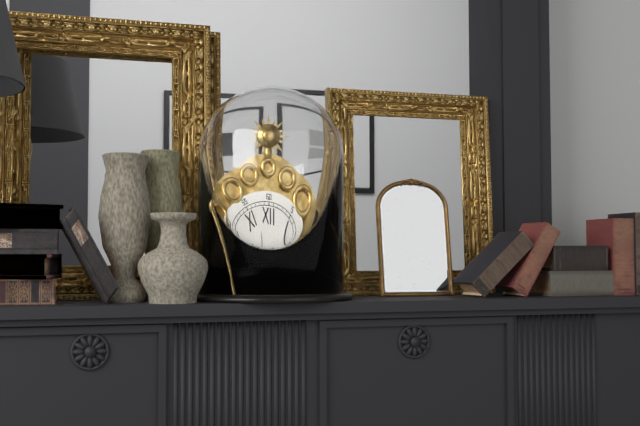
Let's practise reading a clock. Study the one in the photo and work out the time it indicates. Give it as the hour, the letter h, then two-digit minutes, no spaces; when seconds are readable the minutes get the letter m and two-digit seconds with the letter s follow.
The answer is 11h22
